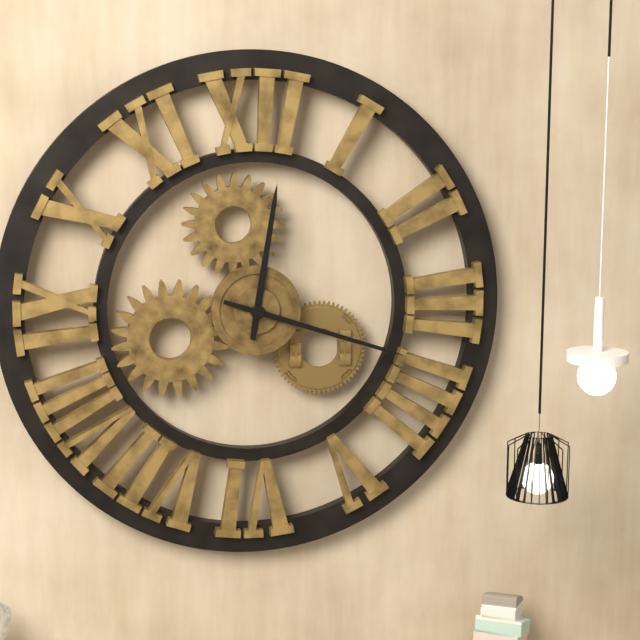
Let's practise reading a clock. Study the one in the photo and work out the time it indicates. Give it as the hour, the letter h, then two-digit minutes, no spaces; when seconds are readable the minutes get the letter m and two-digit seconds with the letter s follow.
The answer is 12h18
